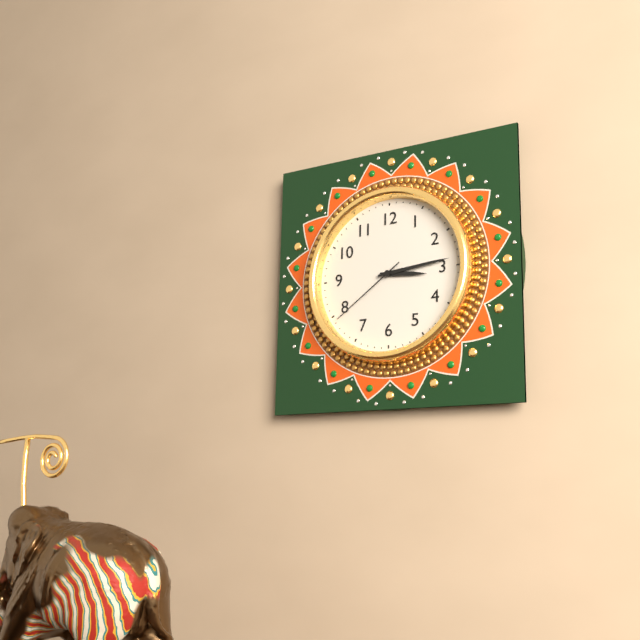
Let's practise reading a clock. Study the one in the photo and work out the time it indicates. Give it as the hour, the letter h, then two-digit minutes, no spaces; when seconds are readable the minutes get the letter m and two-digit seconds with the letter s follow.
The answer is 3h14m39s
